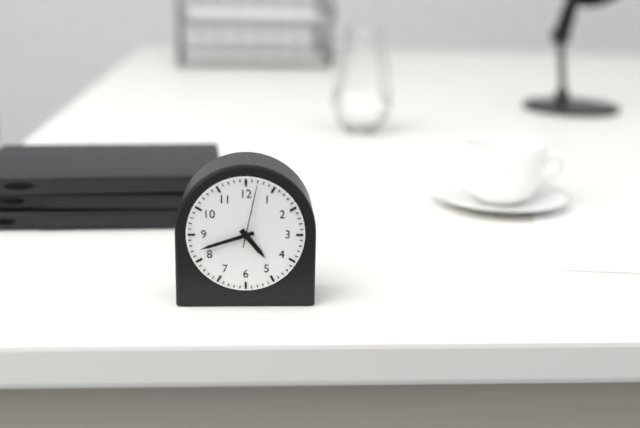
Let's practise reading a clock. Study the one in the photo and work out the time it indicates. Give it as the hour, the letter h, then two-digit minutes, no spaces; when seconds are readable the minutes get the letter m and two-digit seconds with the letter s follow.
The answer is 4h42m02s
